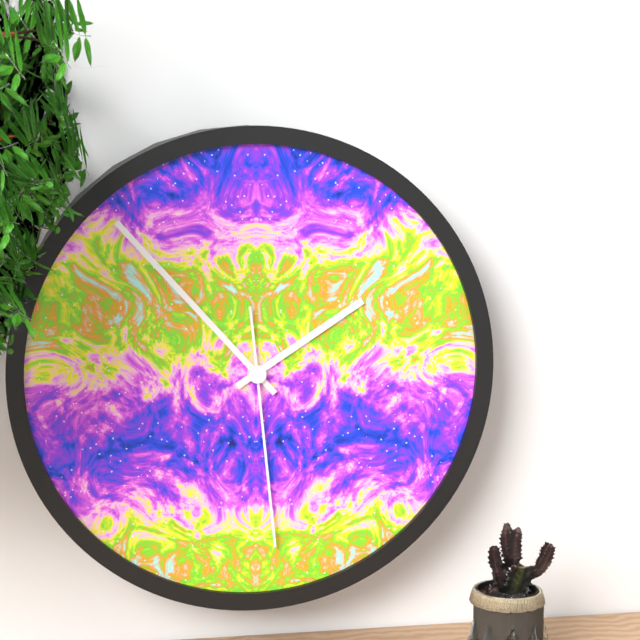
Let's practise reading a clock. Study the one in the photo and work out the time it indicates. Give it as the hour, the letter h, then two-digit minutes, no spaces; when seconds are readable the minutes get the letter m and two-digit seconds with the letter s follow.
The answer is 1h53m29s
